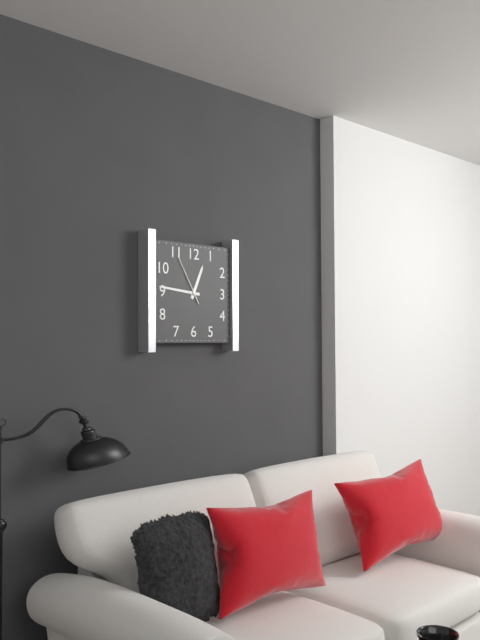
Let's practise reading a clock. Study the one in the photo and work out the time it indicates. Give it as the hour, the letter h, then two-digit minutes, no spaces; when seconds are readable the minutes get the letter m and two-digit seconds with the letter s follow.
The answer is 12h46m55s
